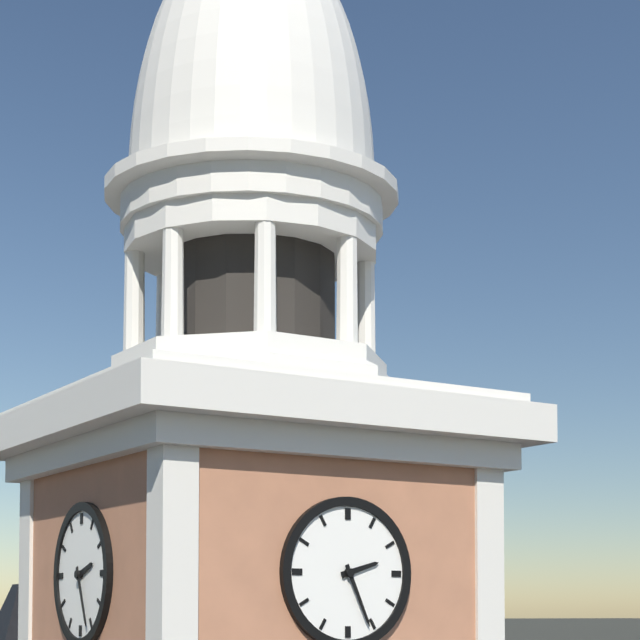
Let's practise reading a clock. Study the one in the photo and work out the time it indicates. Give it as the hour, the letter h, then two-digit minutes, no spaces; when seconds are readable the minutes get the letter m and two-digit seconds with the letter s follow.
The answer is 2h26
